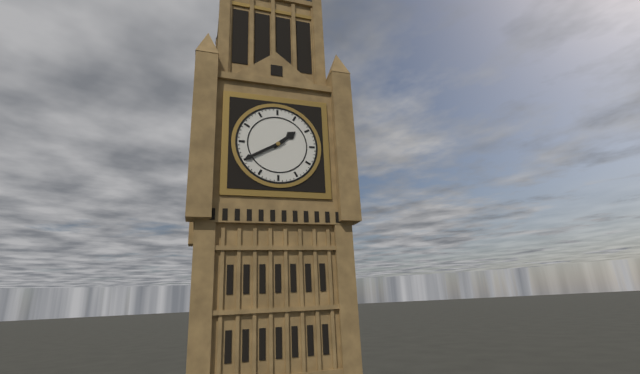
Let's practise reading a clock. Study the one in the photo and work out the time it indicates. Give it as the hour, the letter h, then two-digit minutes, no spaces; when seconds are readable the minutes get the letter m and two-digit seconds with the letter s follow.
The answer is 1h40
